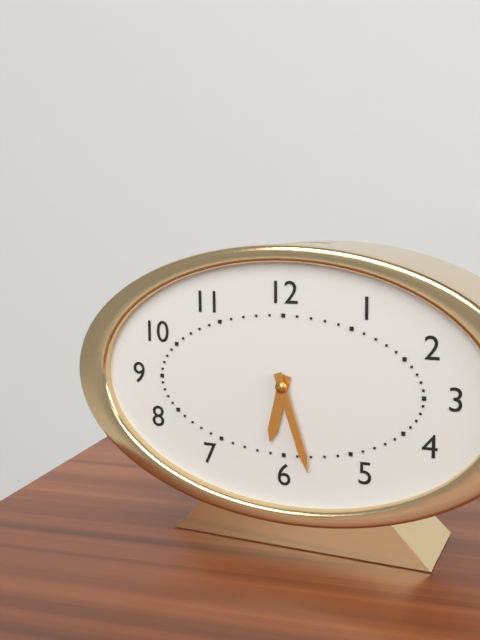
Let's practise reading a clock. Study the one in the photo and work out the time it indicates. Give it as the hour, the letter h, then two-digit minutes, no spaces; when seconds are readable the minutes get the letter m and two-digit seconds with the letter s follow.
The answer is 6h27
